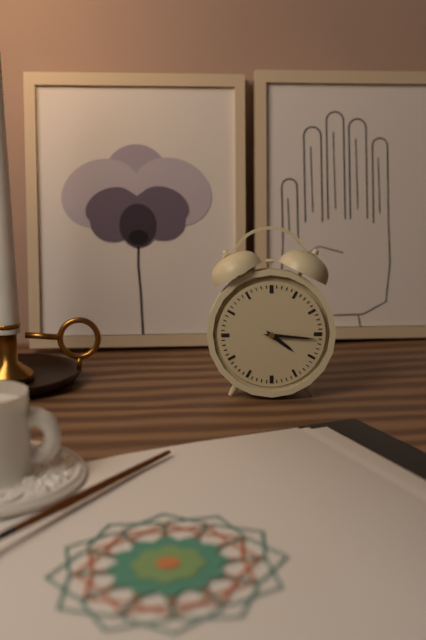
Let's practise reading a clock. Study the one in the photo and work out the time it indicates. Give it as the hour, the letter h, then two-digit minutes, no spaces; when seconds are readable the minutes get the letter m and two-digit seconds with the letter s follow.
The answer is 4h16
